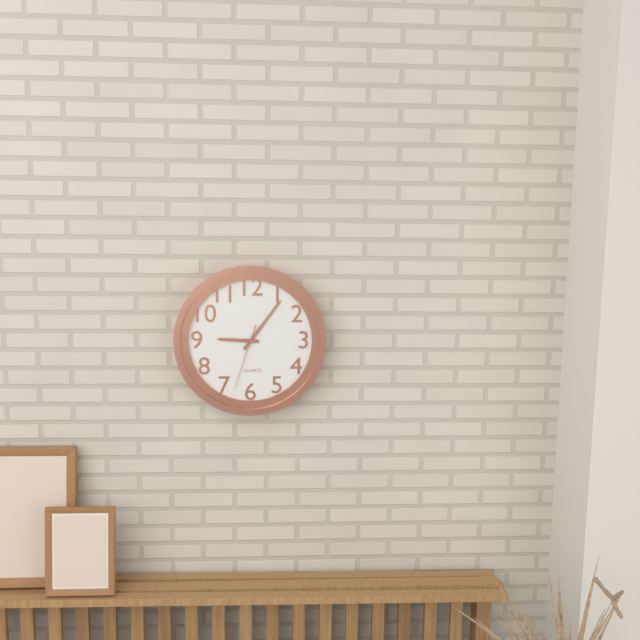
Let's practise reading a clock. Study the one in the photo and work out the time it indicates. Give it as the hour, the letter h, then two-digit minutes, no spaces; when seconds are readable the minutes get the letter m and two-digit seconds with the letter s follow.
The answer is 9h06m33s
